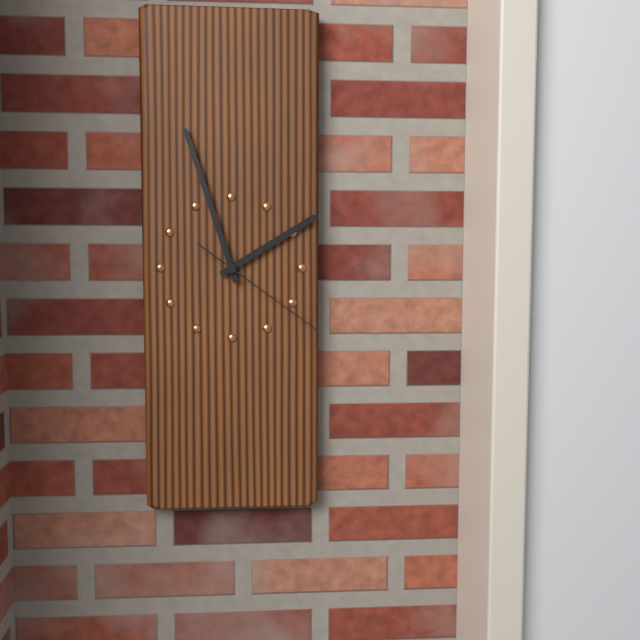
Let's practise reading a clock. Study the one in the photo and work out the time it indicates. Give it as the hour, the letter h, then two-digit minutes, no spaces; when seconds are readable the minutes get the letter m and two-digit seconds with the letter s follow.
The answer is 1h57m21s
